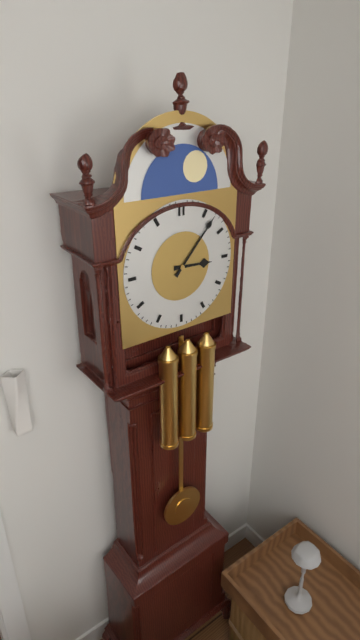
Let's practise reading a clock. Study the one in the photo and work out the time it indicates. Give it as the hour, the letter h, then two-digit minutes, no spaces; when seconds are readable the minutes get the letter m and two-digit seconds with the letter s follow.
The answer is 3h07
